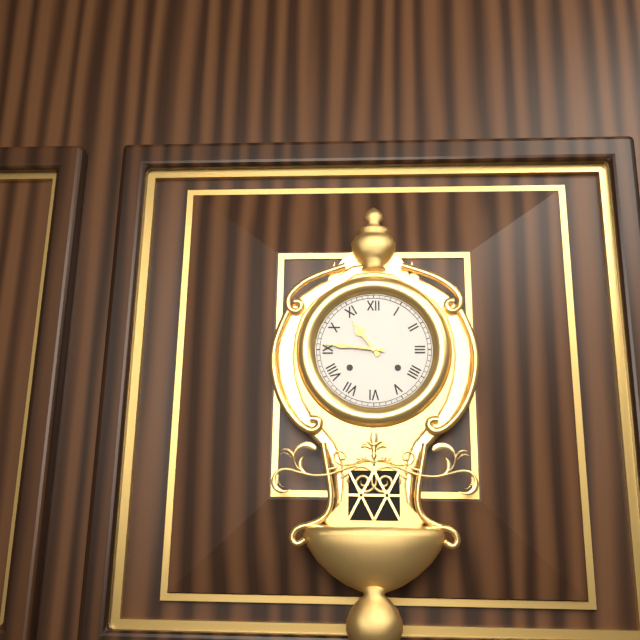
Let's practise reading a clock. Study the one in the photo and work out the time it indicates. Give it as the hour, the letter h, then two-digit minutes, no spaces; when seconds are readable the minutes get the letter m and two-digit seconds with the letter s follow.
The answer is 10h46
